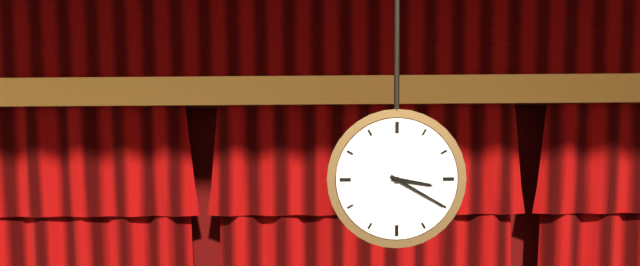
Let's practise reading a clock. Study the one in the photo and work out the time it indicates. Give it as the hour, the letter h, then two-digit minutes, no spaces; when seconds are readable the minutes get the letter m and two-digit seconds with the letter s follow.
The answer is 3h20
